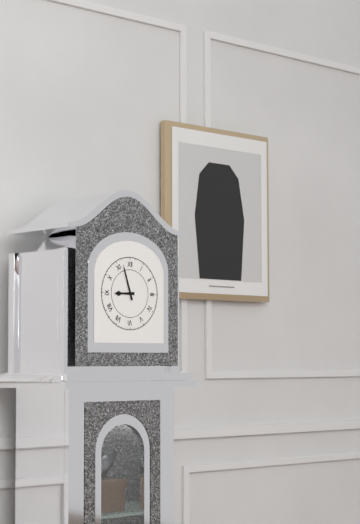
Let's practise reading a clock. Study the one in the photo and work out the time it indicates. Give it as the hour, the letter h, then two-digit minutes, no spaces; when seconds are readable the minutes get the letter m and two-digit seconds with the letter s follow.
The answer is 8h57
